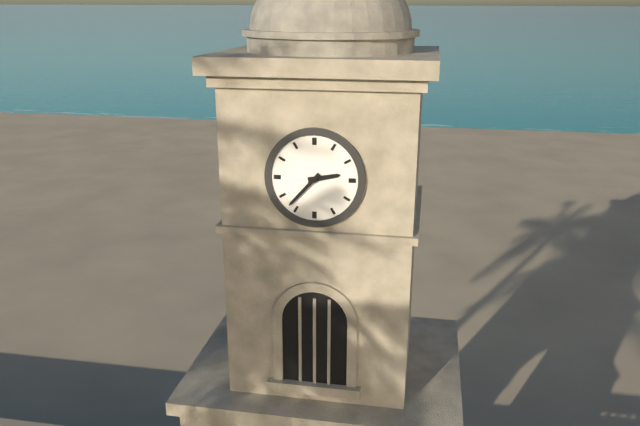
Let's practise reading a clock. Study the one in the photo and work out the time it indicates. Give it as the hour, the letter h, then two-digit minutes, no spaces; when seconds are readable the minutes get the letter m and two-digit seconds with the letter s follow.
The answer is 2h37
